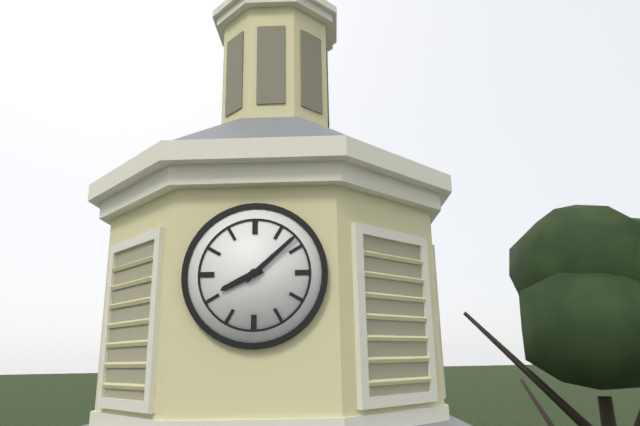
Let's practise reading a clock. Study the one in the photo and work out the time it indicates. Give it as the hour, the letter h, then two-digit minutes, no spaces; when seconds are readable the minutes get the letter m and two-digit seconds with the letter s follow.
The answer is 8h08
